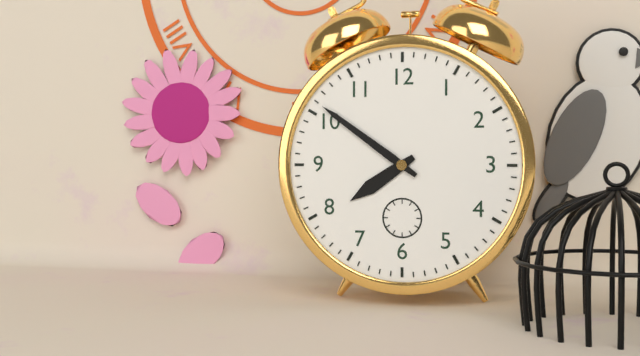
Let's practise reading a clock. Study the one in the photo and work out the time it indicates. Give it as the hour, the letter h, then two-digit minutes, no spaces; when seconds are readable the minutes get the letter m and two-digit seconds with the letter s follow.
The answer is 7h51
